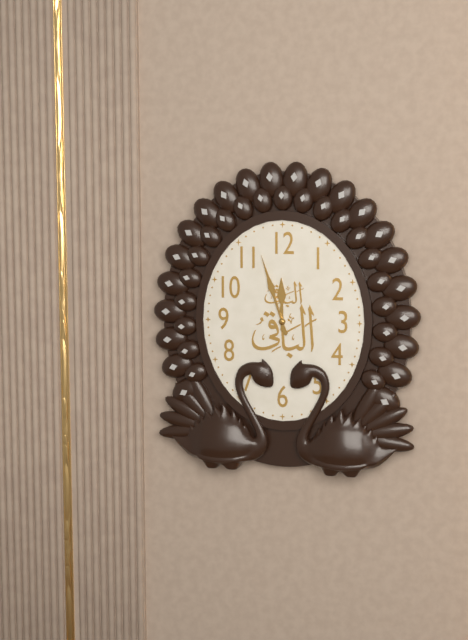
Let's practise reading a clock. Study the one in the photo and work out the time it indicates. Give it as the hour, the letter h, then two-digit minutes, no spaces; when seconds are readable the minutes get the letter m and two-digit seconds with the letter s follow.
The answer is 11h57
